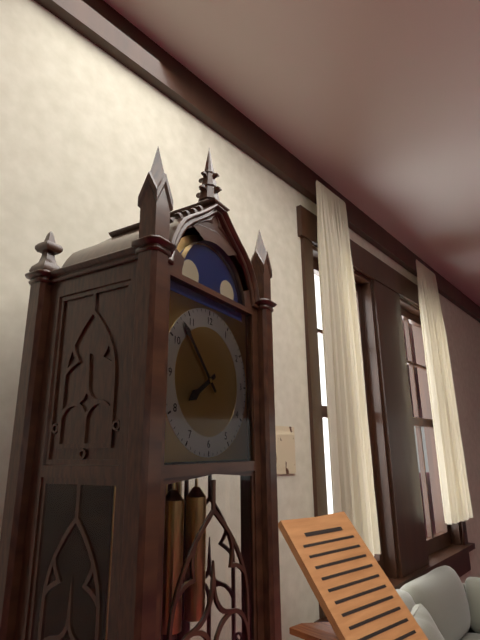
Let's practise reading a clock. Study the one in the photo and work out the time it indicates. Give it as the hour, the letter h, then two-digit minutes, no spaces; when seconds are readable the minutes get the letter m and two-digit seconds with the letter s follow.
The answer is 7h53
